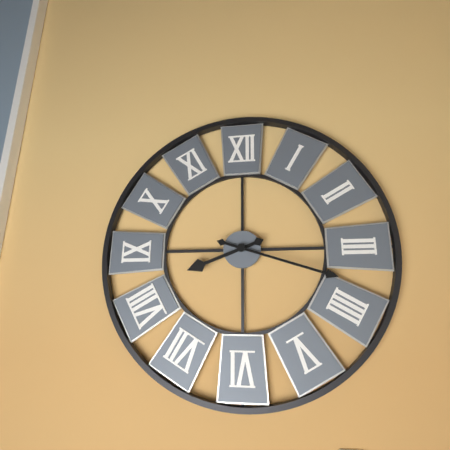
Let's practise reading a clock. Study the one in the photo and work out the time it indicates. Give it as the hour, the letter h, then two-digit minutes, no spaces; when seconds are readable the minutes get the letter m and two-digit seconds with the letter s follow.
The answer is 8h18
